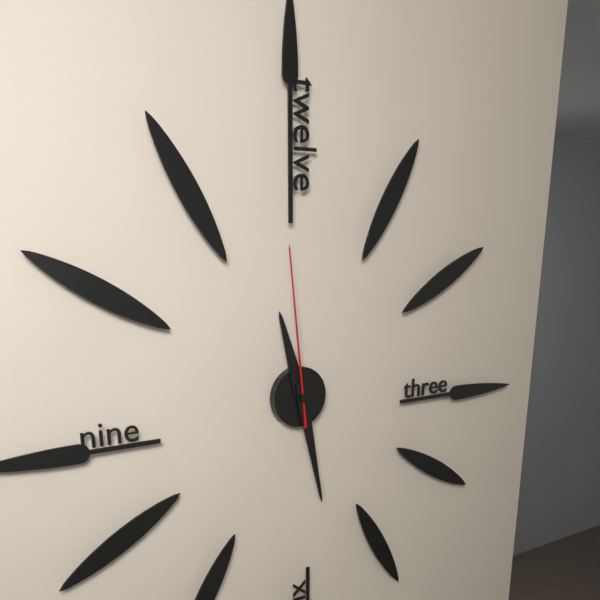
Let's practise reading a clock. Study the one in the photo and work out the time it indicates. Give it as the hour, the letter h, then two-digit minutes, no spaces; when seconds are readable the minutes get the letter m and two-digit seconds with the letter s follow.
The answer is 11h28m59s
